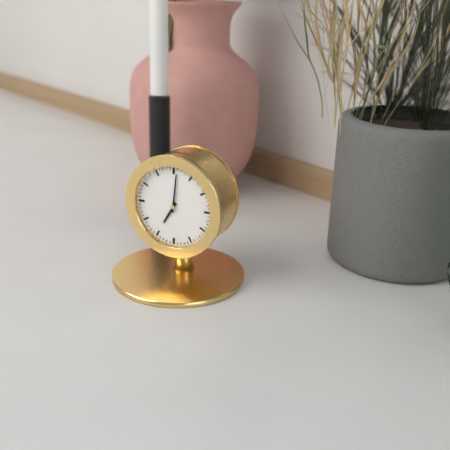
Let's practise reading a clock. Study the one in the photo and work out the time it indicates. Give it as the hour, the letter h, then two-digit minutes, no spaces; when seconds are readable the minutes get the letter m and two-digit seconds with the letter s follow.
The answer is 7h01
